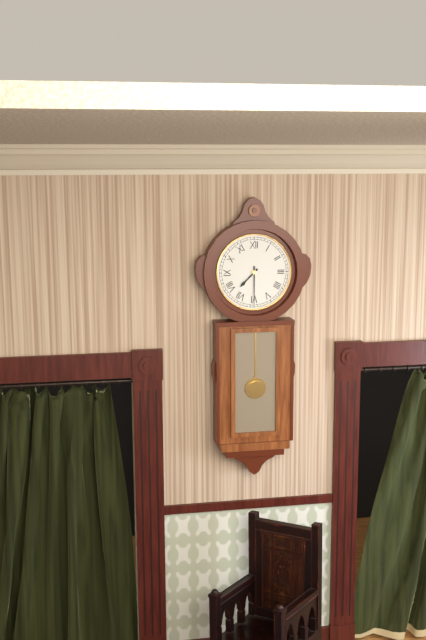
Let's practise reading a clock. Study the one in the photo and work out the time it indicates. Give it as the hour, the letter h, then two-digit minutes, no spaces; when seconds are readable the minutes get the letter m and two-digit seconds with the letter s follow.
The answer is 7h30
